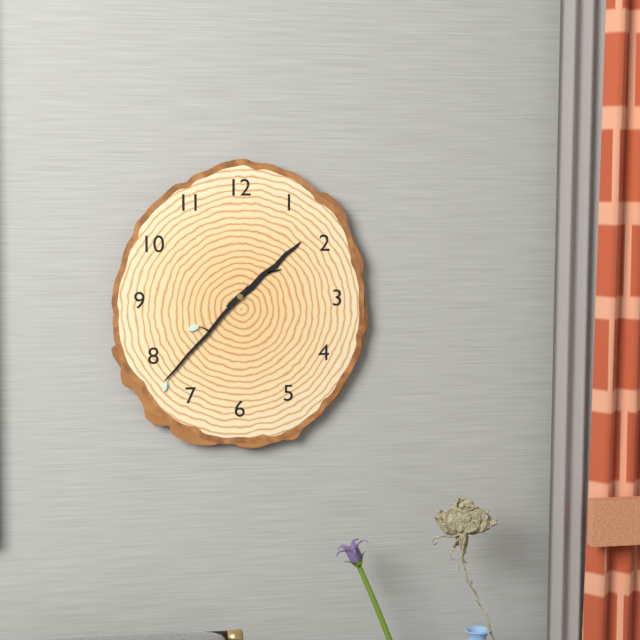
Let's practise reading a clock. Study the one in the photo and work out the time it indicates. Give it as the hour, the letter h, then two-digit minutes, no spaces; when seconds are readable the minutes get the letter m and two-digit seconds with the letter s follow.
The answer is 1h37
